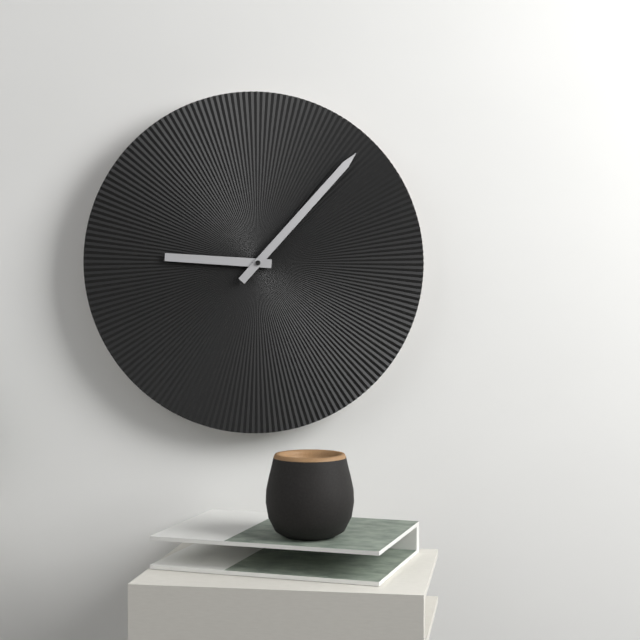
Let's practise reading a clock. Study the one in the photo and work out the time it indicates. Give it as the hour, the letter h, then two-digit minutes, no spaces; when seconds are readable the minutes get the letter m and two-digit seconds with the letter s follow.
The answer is 9h07
